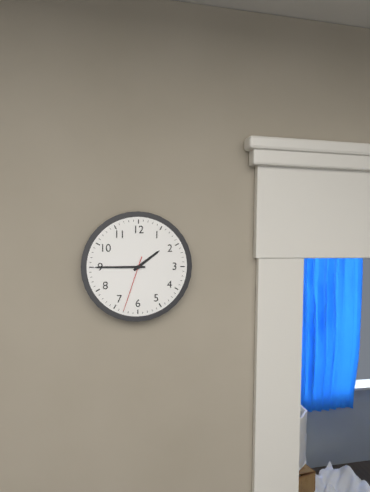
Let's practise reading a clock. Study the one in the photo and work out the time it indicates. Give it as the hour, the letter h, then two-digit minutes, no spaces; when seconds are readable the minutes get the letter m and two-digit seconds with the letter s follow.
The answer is 1h45m33s
